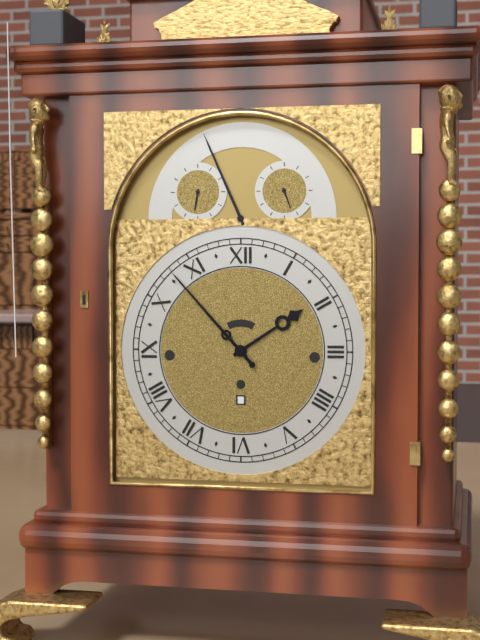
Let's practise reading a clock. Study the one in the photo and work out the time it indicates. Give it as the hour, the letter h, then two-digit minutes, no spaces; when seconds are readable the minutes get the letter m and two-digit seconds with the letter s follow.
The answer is 1h53
